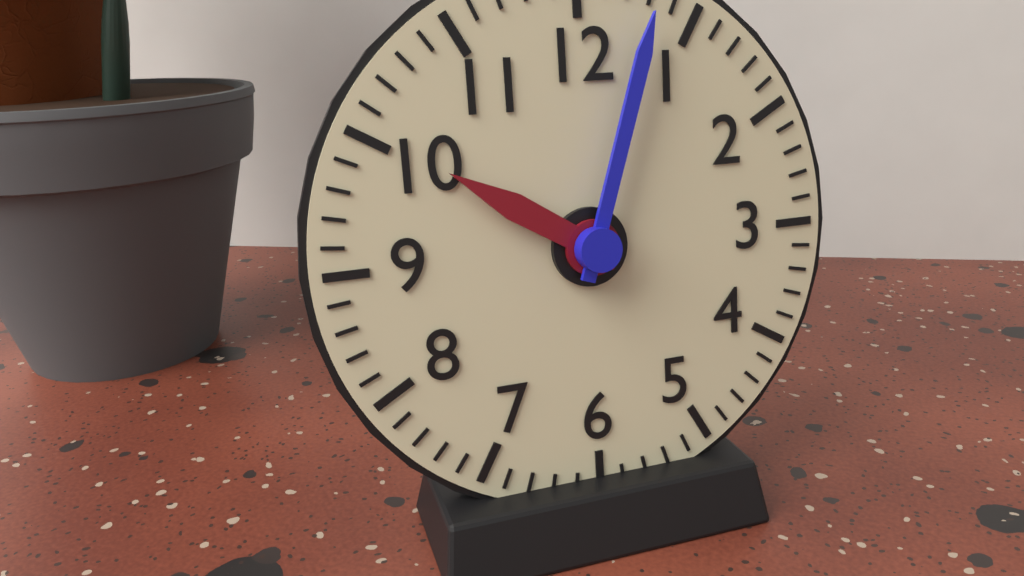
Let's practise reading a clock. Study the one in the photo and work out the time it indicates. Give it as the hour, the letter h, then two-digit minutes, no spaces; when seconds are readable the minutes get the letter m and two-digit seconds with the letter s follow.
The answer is 10h03
